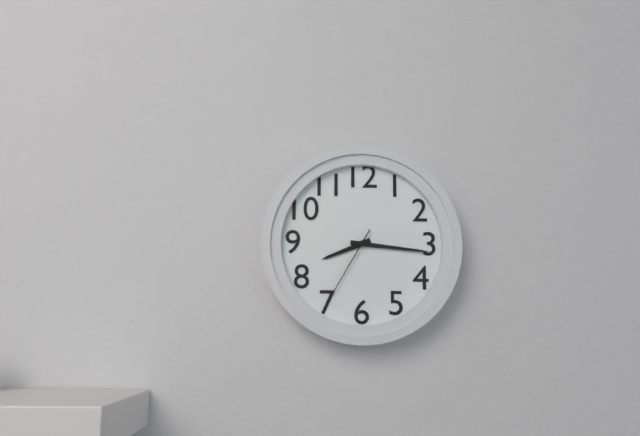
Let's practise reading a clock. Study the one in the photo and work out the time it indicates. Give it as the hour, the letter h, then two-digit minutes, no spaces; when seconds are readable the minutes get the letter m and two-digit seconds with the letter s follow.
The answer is 8h16m35s
